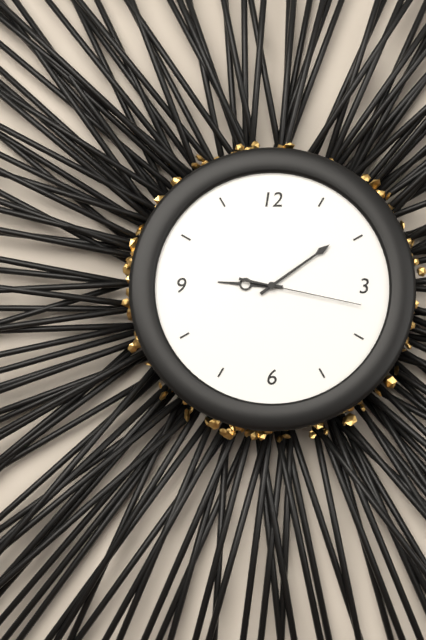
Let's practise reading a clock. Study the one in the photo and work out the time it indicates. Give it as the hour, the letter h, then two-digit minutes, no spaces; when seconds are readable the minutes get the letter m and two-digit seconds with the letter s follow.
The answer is 9h09m17s
